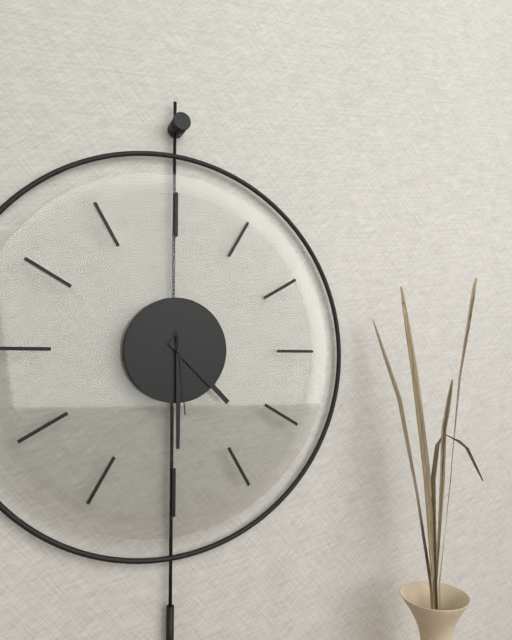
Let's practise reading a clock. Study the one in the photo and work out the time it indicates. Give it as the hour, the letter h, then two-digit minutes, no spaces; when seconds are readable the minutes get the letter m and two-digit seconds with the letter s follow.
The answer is 4h30m29s
